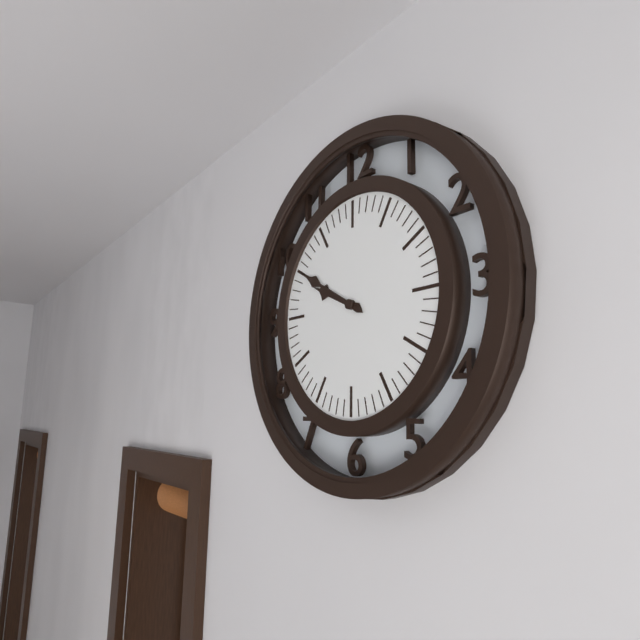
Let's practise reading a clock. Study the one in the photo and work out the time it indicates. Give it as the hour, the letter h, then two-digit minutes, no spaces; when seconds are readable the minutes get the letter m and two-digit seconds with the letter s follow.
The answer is 9h50
